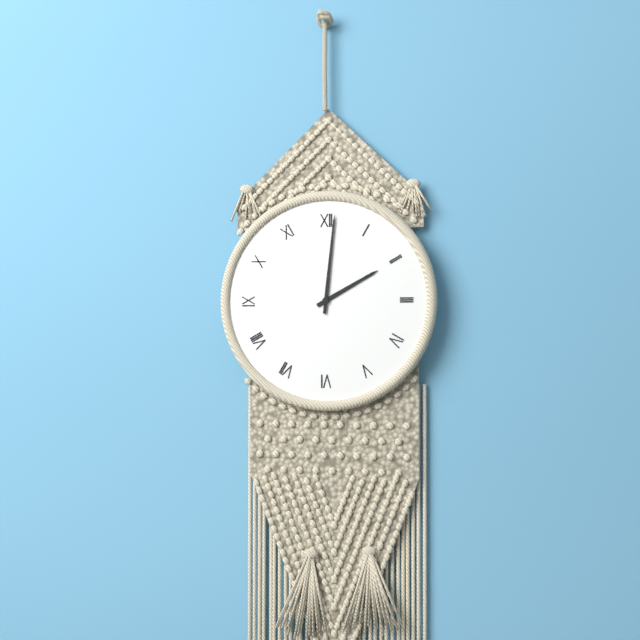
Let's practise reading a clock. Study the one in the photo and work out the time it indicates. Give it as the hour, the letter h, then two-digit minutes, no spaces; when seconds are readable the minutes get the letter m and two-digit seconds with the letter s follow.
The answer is 2h01
